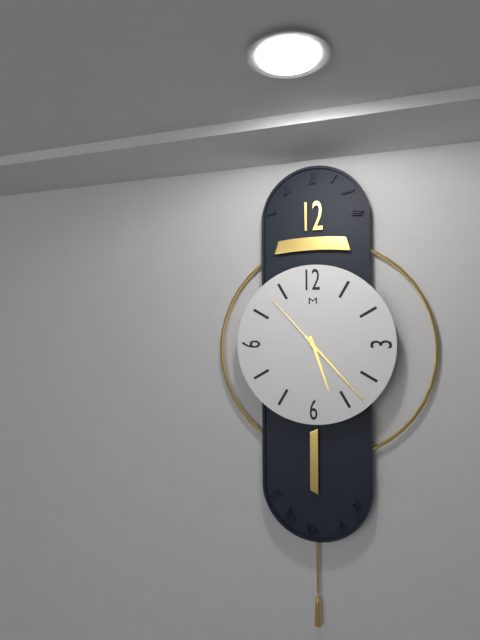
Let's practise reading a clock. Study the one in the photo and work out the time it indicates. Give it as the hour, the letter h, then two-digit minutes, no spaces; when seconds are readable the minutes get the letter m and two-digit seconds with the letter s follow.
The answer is 5h23m53s
